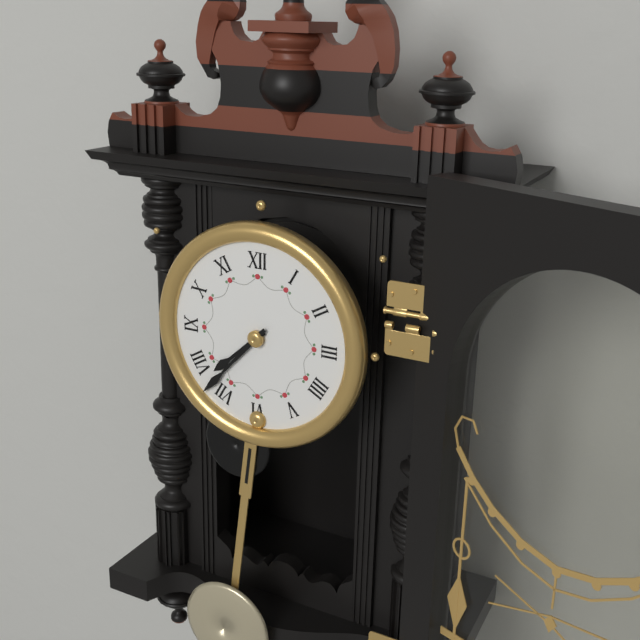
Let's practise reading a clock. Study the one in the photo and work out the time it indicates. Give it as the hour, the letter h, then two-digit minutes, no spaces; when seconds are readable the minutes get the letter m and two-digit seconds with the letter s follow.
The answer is 7h37
